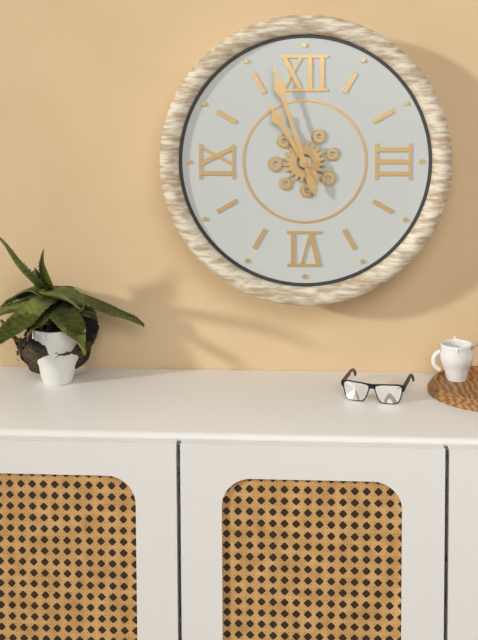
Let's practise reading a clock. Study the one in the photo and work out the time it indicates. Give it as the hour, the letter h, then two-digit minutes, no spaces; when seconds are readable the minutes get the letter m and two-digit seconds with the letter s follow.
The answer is 10h57
